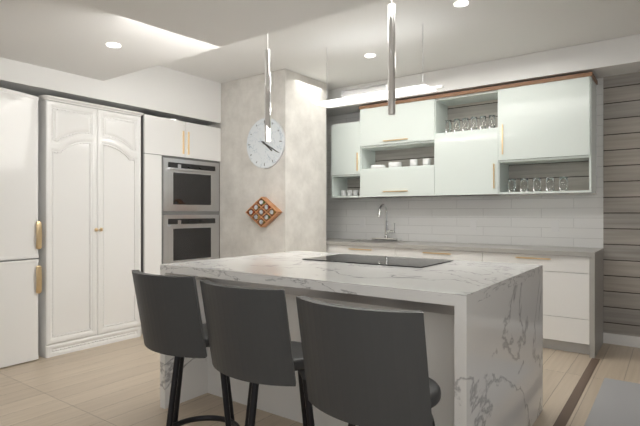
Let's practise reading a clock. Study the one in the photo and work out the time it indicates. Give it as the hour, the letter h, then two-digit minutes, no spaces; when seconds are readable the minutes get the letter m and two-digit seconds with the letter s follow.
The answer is 4h20
